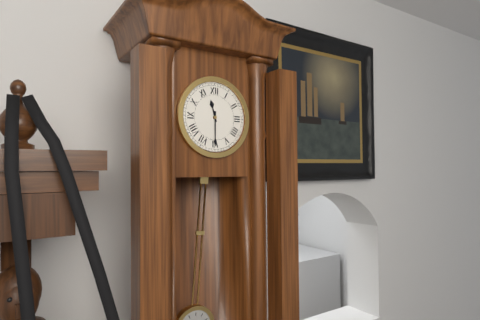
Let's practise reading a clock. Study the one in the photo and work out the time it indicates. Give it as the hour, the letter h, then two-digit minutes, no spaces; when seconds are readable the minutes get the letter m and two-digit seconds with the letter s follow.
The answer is 11h30
